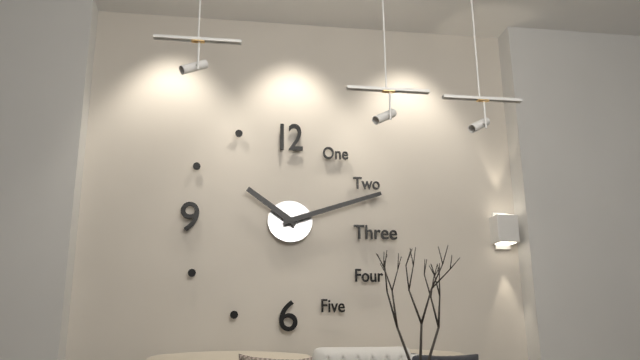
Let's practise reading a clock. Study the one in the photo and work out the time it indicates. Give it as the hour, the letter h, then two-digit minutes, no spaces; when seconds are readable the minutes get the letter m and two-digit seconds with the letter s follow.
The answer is 10h12
